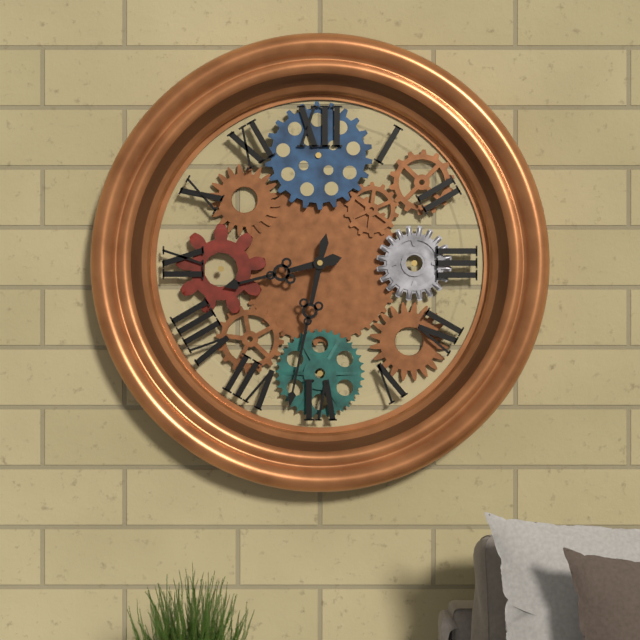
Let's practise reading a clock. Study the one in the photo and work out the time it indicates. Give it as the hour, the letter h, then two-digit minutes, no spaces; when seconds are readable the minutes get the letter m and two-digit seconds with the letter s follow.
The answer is 8h32
